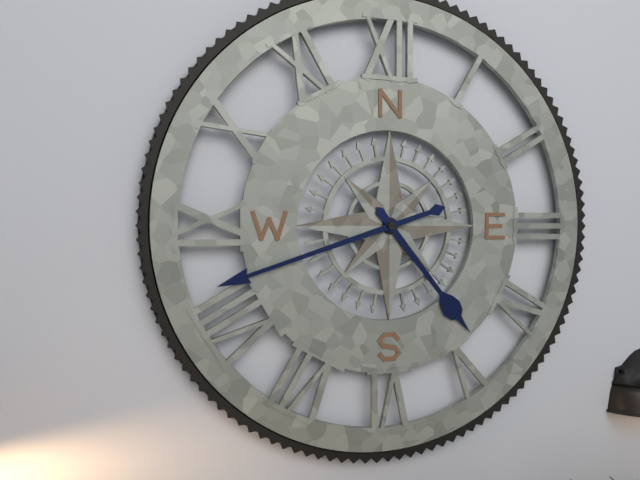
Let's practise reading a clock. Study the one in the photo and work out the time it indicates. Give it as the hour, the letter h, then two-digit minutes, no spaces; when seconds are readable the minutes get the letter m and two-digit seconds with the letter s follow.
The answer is 4h42
